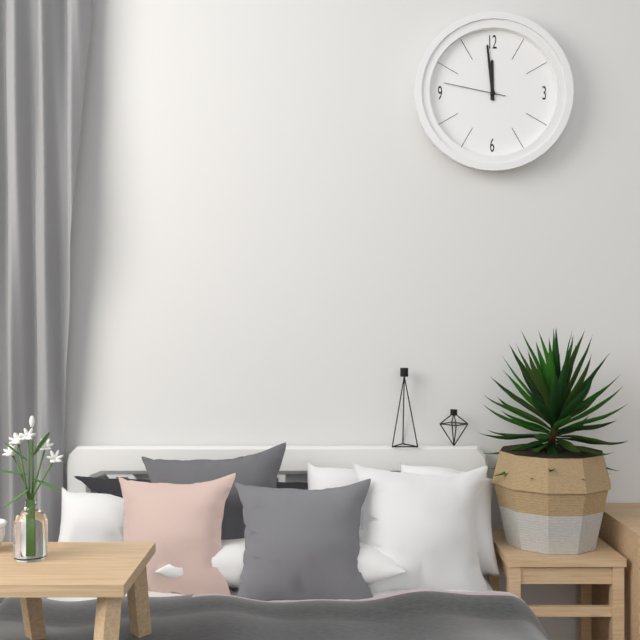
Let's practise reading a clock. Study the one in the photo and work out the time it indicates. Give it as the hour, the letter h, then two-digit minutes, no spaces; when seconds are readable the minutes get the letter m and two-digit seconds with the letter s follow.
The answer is 11h59m47s
